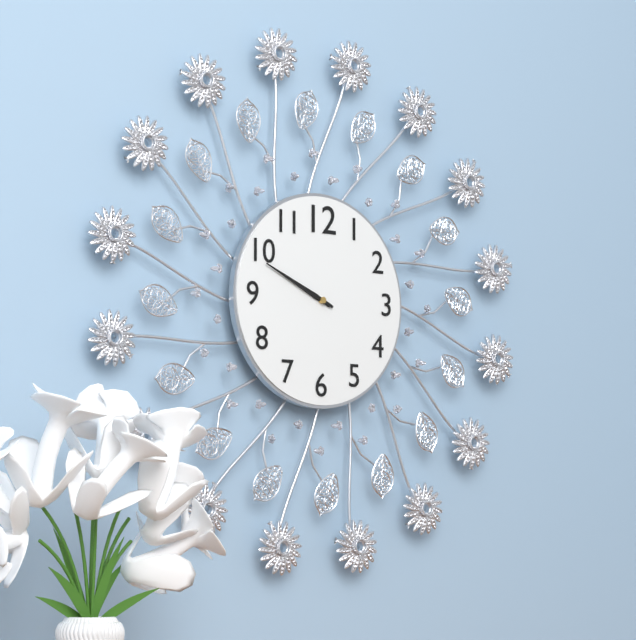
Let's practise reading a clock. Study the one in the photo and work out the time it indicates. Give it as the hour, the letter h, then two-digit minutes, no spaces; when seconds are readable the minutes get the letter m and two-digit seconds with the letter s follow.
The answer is 9h49
